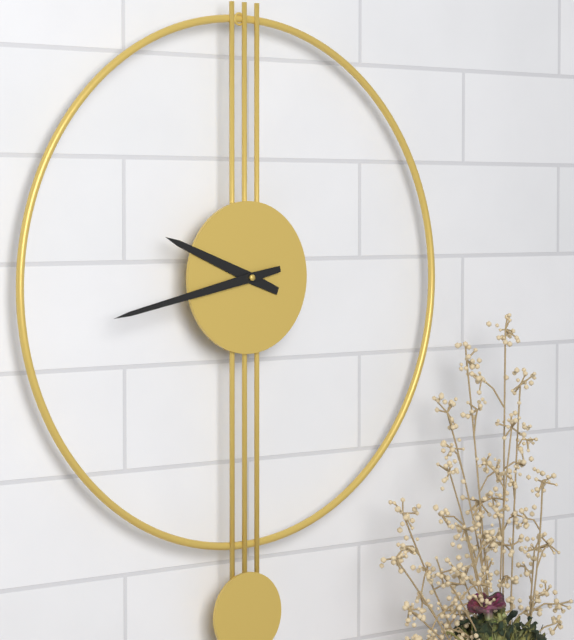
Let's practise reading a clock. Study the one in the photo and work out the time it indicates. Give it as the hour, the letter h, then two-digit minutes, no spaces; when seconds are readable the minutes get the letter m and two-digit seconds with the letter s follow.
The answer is 9h43
